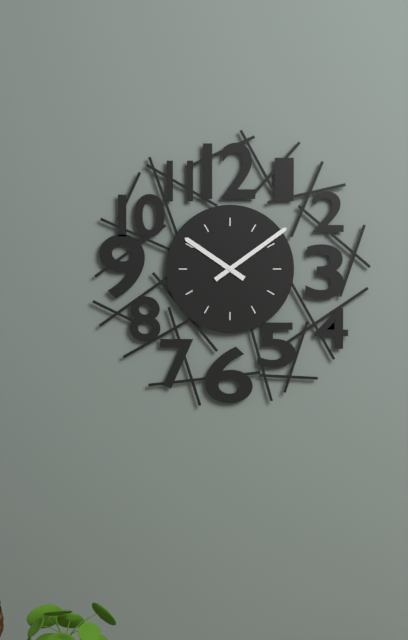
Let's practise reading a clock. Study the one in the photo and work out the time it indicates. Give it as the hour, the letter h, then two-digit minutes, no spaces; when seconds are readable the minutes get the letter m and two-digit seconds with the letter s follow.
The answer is 10h09
